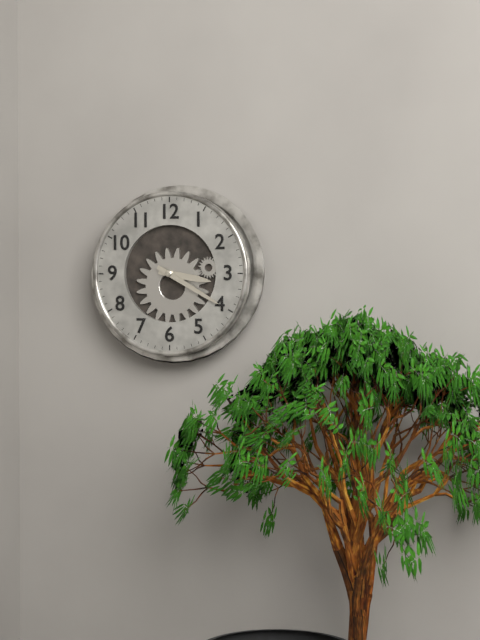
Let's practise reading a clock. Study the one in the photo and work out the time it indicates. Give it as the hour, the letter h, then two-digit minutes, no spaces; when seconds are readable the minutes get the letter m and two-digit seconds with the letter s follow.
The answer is 3h20
